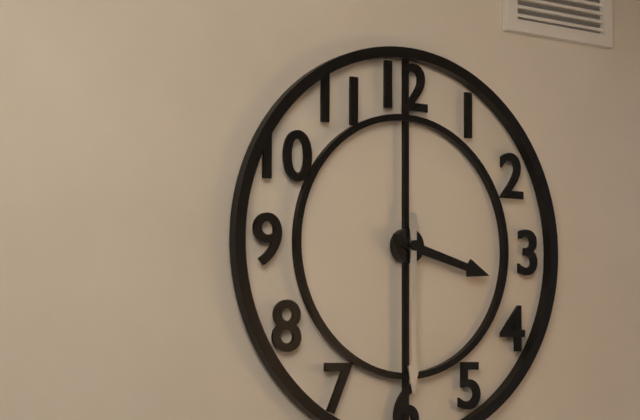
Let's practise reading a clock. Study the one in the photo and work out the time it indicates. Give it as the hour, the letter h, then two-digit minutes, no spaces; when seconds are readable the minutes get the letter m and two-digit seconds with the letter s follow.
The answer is 3h30
